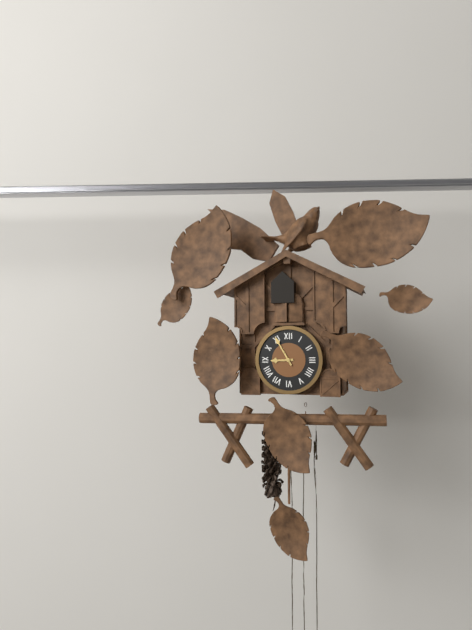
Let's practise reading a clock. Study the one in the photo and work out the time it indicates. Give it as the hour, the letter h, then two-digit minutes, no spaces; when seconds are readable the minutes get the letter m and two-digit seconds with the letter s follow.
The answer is 8h55
